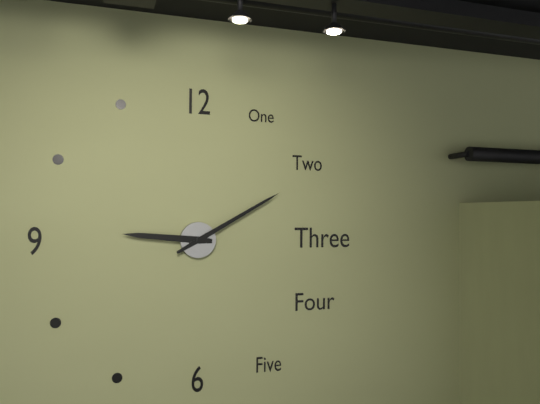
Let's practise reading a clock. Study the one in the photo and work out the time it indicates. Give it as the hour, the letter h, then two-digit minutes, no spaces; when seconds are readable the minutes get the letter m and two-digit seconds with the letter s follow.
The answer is 9h10
